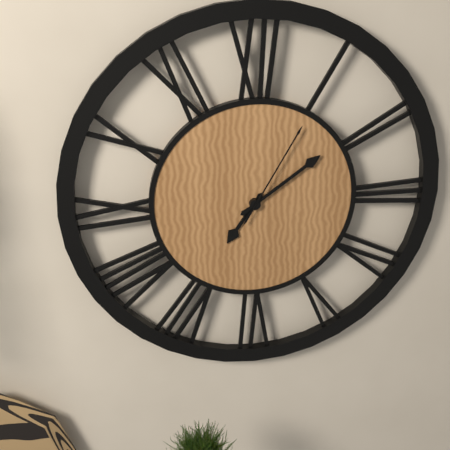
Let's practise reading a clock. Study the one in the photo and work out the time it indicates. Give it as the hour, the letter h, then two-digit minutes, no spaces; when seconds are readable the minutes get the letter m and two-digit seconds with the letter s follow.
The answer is 7h09m05s
